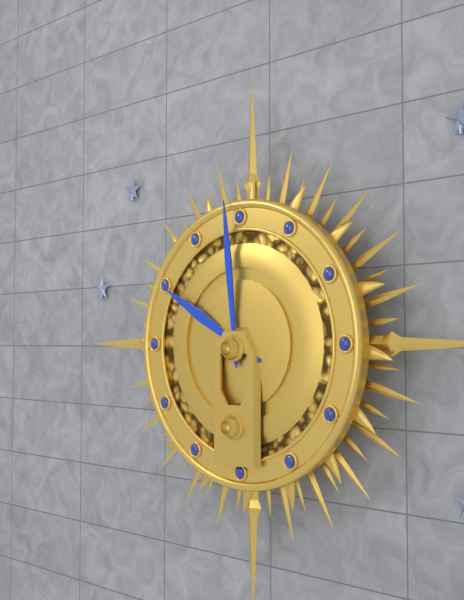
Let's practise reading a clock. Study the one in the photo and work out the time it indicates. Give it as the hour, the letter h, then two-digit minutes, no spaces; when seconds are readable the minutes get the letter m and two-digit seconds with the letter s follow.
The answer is 9h59
